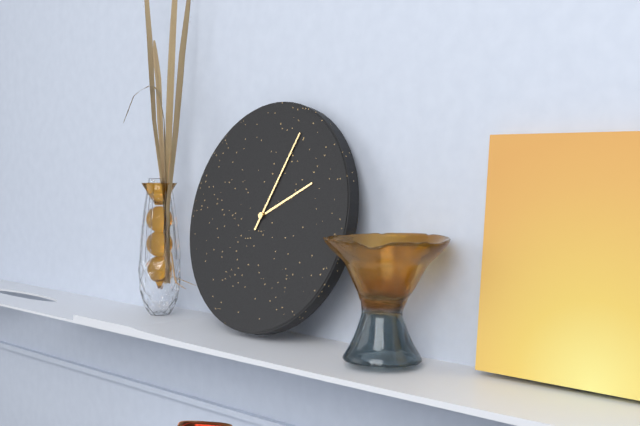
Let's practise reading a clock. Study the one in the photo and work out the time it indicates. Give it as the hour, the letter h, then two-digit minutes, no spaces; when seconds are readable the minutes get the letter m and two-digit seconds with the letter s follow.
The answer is 2h04
